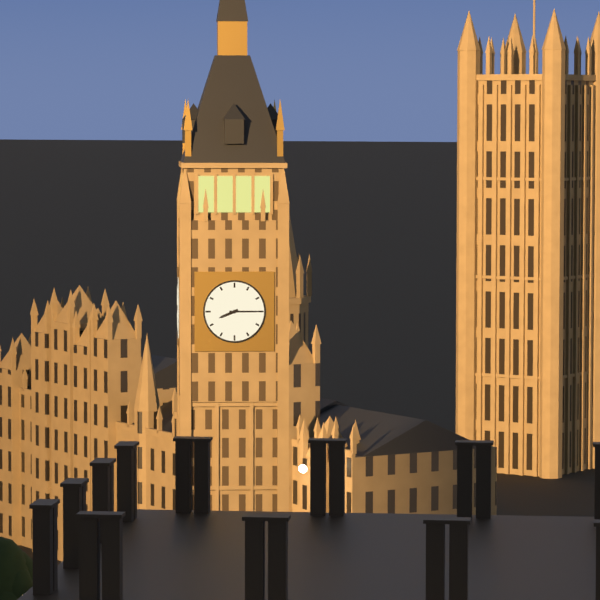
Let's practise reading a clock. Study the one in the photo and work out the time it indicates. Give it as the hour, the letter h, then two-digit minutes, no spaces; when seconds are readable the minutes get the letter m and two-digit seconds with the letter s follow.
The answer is 8h15
